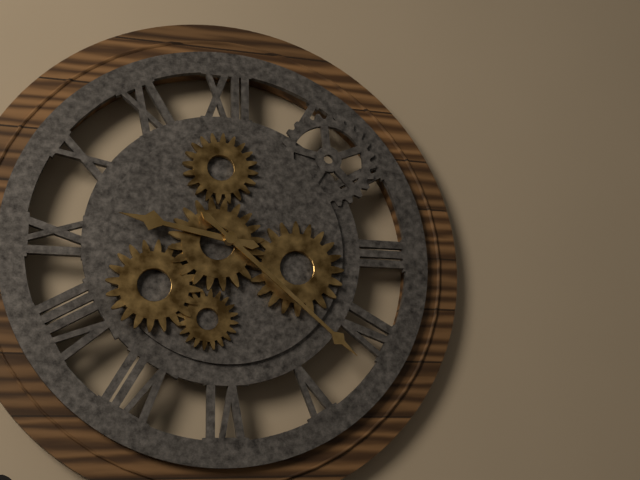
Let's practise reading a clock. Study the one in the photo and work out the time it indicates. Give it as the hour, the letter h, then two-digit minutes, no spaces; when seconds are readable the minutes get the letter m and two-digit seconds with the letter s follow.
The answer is 9h22
